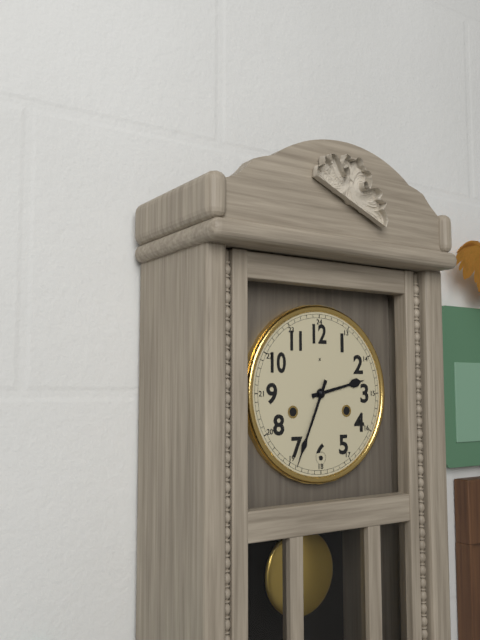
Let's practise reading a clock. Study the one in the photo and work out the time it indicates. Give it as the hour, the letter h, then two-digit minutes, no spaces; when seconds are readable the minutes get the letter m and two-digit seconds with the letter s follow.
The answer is 2h34
